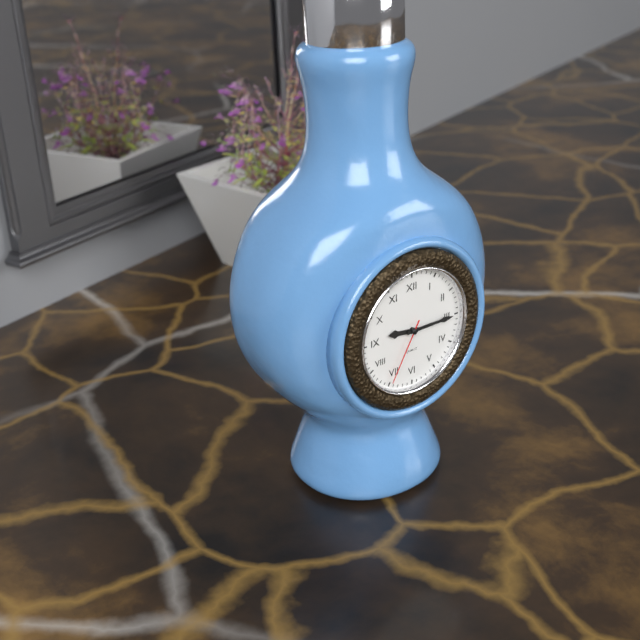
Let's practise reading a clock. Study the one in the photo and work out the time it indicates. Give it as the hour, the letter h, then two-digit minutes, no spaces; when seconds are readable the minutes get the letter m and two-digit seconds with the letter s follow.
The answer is 9h15m35s
